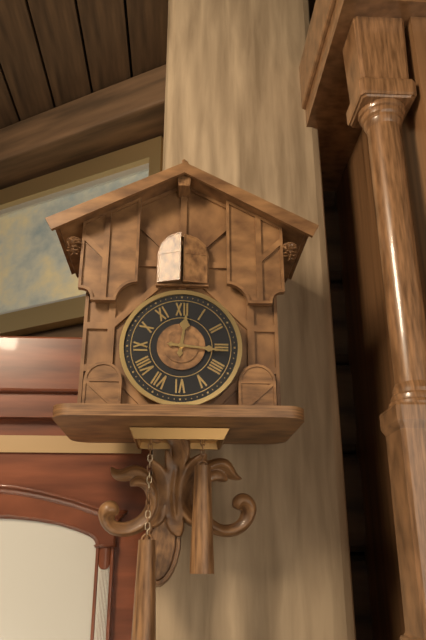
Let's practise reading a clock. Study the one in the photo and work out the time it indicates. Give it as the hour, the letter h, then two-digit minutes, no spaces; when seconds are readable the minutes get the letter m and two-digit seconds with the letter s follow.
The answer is 12h16
